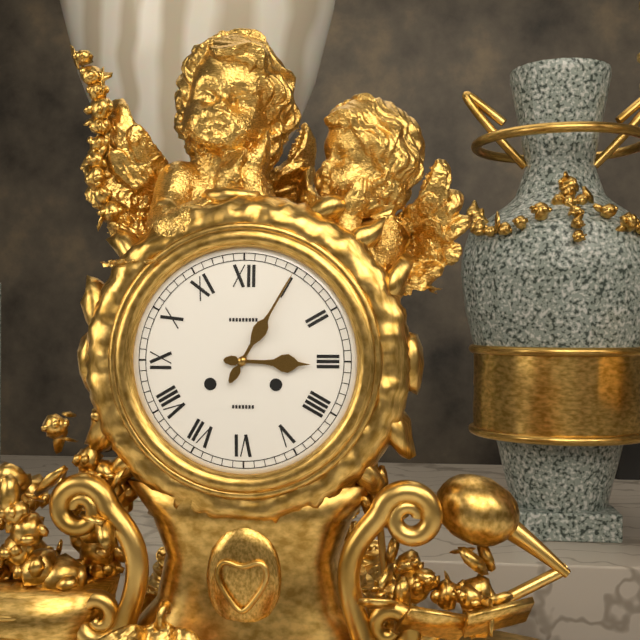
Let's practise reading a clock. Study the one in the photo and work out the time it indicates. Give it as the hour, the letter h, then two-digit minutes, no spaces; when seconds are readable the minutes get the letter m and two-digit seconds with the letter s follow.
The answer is 3h05
